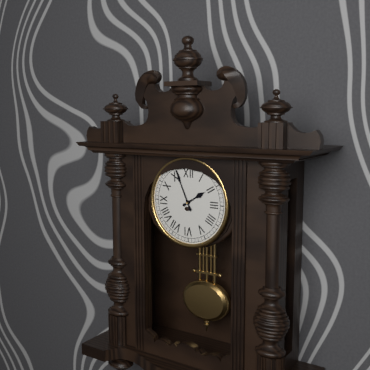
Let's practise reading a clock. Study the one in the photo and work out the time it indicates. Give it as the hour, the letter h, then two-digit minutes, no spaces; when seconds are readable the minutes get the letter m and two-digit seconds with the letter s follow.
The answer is 1h56
